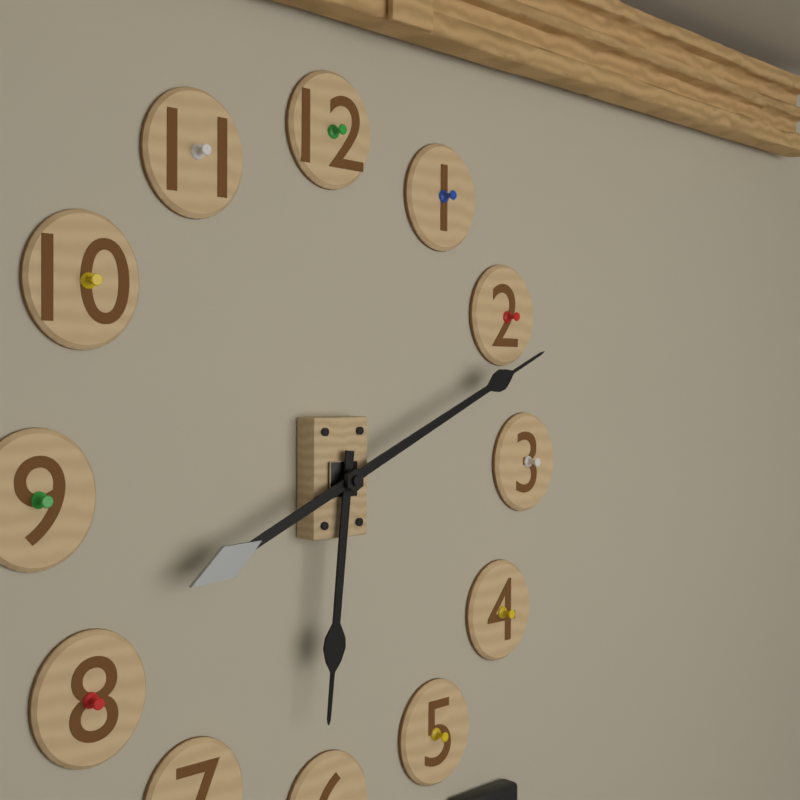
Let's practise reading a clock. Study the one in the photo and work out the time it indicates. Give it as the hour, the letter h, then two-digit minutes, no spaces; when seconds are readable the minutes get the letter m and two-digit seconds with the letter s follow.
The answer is 6h11
